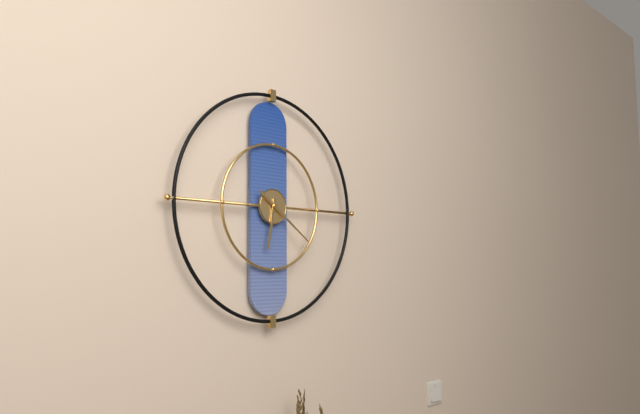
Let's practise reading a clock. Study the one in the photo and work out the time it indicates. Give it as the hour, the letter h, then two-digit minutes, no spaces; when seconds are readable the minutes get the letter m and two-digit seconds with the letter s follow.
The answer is 6h21
